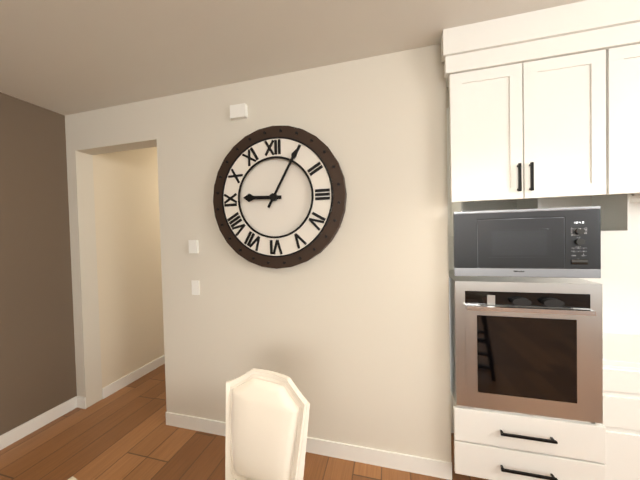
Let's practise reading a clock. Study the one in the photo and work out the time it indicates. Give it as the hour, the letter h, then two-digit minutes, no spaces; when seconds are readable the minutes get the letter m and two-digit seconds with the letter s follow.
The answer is 9h05
